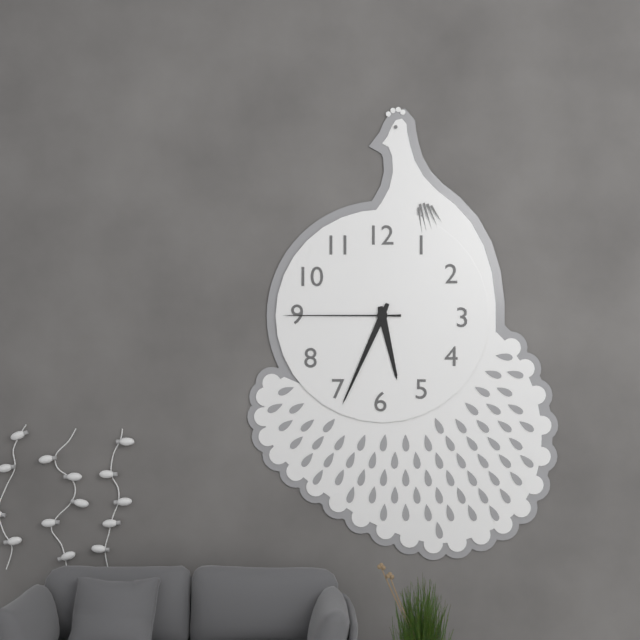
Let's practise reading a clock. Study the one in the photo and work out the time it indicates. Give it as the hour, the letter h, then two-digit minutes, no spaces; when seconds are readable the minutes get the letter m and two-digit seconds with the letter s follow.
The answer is 5h34m45s
